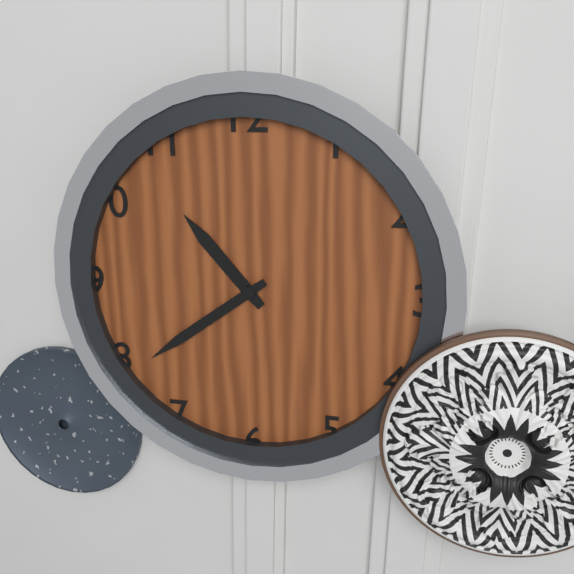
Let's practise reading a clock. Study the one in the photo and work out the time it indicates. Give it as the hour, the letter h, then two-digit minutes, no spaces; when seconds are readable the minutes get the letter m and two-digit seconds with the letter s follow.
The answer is 10h39
